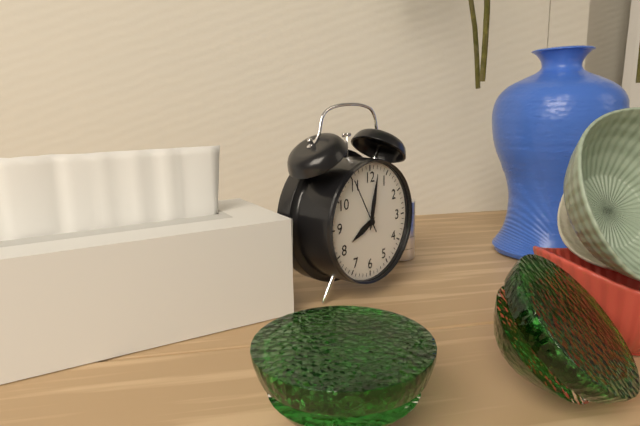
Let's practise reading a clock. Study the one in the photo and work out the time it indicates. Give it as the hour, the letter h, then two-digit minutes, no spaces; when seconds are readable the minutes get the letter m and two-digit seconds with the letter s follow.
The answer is 8h02m55s
